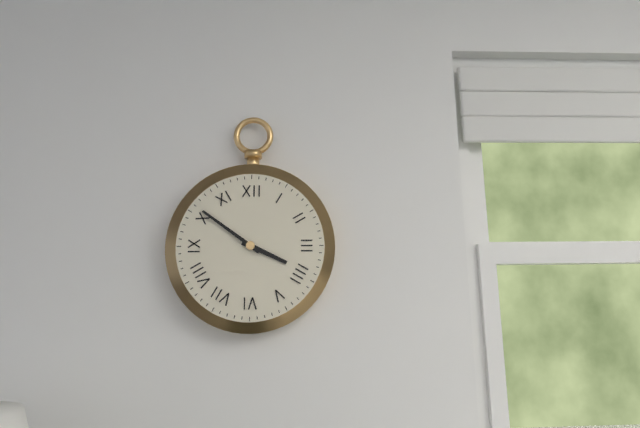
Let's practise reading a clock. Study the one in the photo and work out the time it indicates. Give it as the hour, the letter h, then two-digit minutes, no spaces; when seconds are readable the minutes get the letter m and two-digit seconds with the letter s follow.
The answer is 3h51
